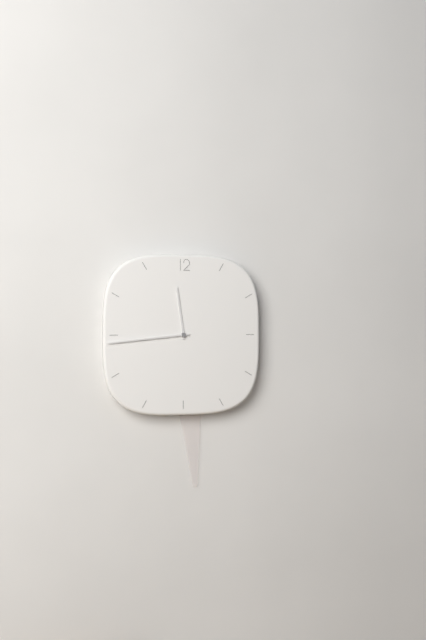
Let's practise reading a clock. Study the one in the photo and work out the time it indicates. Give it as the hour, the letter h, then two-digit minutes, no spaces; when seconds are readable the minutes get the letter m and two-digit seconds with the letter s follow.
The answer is 11h44
